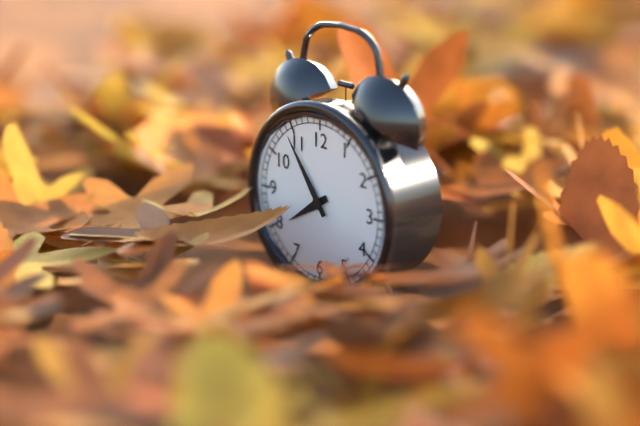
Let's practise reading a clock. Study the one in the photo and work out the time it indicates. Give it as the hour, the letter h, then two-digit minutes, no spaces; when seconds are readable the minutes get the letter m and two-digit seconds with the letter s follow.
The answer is 7h54
